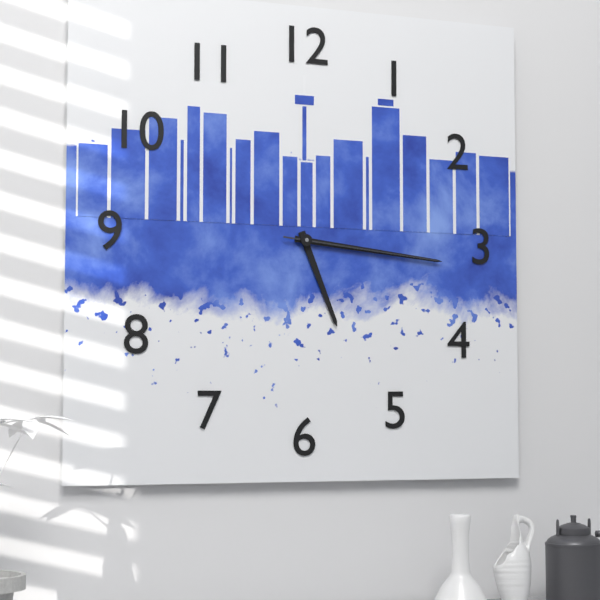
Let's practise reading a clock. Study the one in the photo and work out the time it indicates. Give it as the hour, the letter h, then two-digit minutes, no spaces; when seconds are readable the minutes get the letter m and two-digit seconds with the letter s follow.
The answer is 5h16m16s
